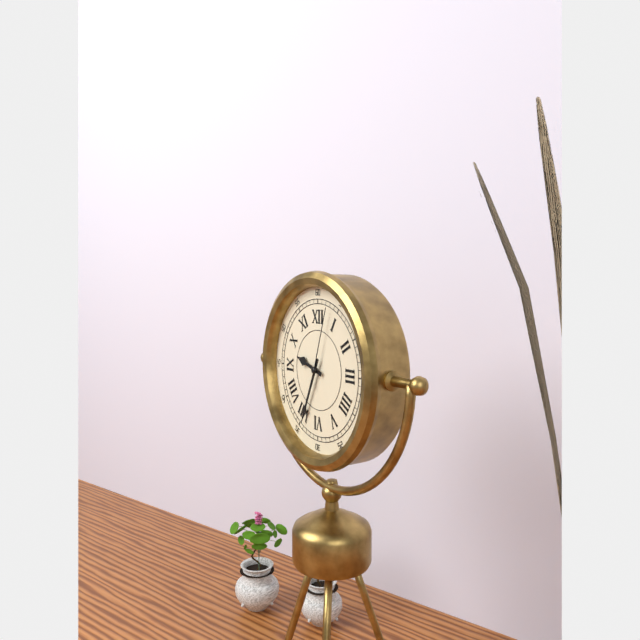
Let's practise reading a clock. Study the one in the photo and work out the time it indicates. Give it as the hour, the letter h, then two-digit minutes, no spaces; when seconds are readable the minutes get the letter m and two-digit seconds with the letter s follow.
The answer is 9h34m03s
